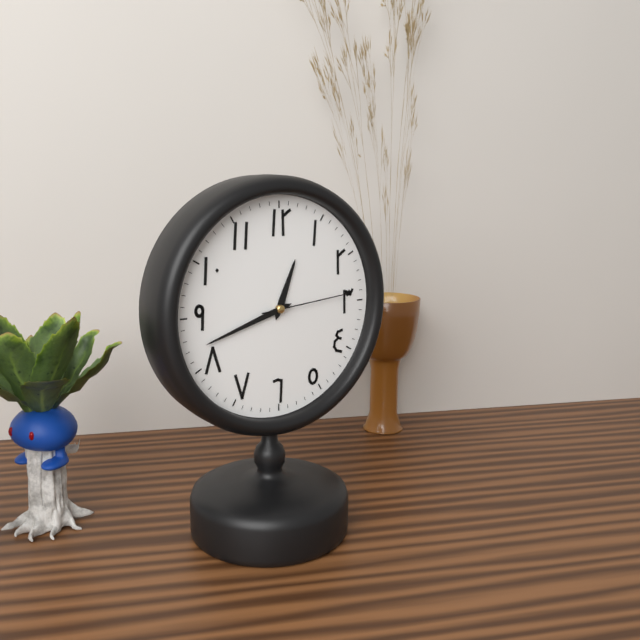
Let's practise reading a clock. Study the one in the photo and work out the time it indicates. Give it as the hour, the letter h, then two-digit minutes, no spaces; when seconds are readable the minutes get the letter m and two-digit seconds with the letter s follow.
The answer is 12h42m14s
